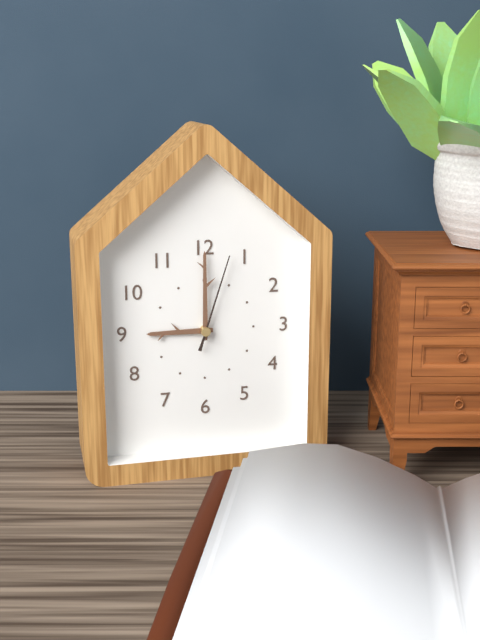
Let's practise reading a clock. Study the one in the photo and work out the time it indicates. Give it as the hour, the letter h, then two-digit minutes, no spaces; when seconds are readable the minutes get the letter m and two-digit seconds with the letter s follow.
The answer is 9h00m03s
